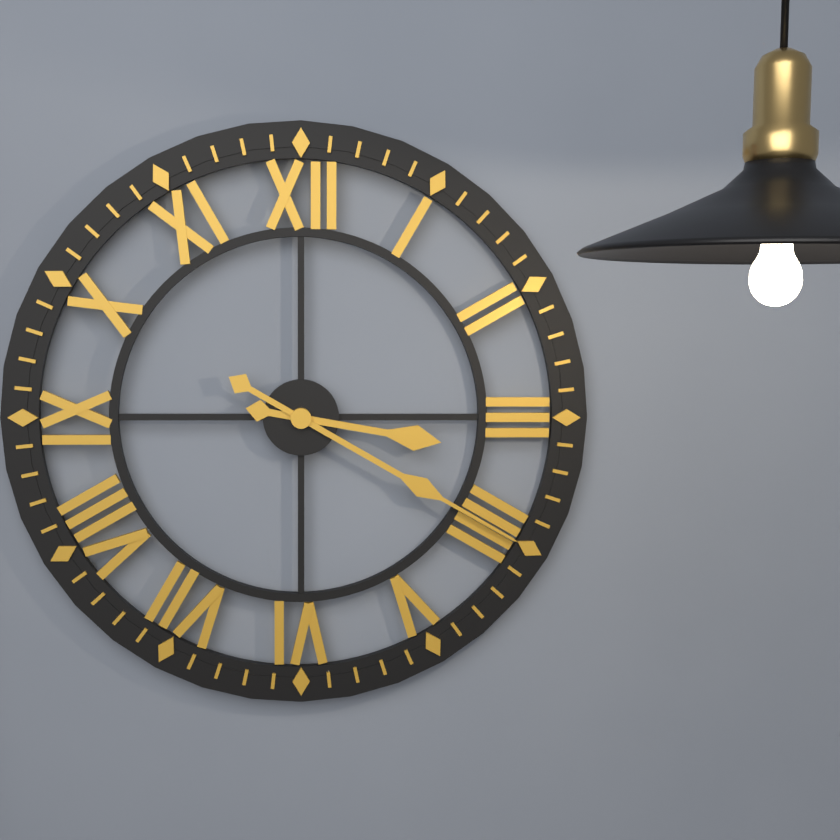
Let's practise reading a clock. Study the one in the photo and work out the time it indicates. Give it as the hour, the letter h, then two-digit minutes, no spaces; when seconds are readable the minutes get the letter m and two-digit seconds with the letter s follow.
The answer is 3h20
